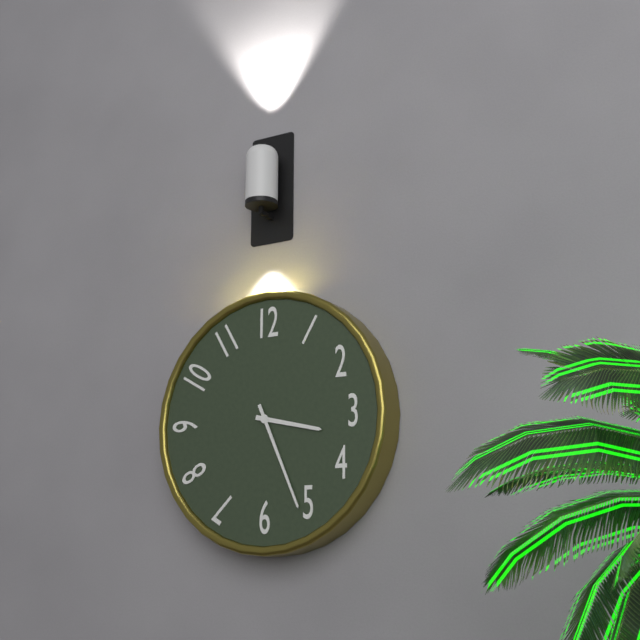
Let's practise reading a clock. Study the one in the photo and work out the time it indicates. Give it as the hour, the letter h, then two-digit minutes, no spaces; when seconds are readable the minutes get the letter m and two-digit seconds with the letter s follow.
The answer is 3h26
